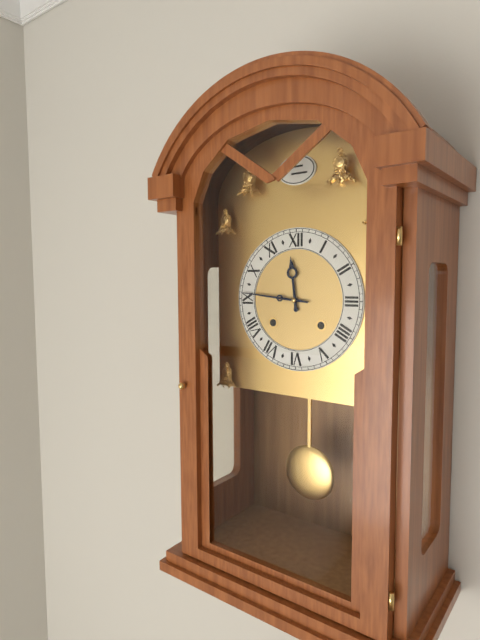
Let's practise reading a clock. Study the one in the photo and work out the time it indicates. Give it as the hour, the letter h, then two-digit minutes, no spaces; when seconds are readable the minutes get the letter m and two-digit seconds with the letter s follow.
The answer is 11h46
